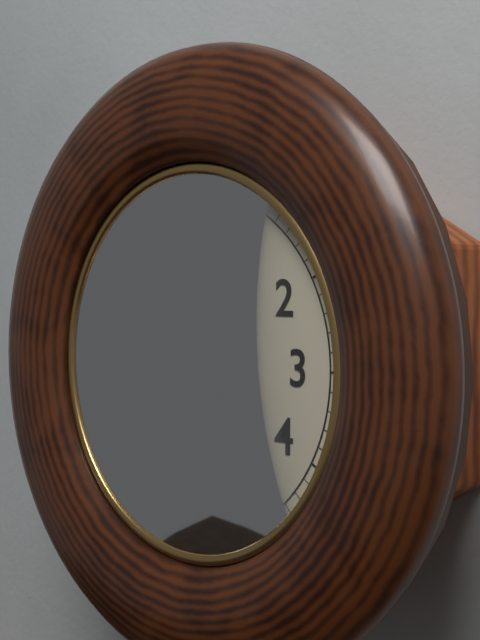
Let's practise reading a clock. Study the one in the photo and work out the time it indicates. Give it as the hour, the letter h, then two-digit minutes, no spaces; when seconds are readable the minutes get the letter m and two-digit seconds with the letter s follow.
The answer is 1h30
